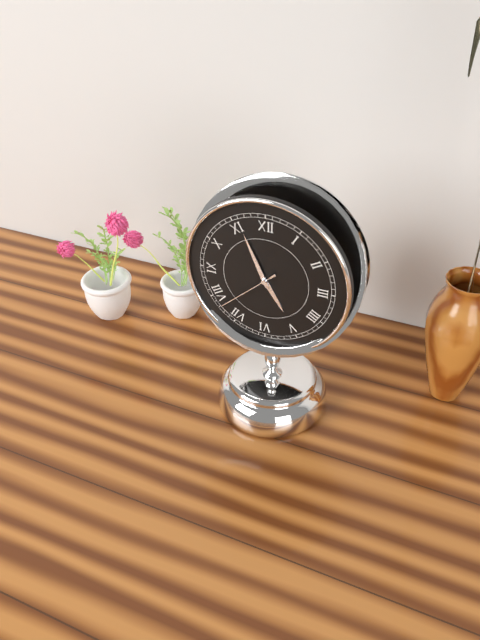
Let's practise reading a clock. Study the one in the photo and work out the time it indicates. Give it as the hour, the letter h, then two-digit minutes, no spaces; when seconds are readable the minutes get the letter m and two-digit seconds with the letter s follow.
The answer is 4h56m38s
